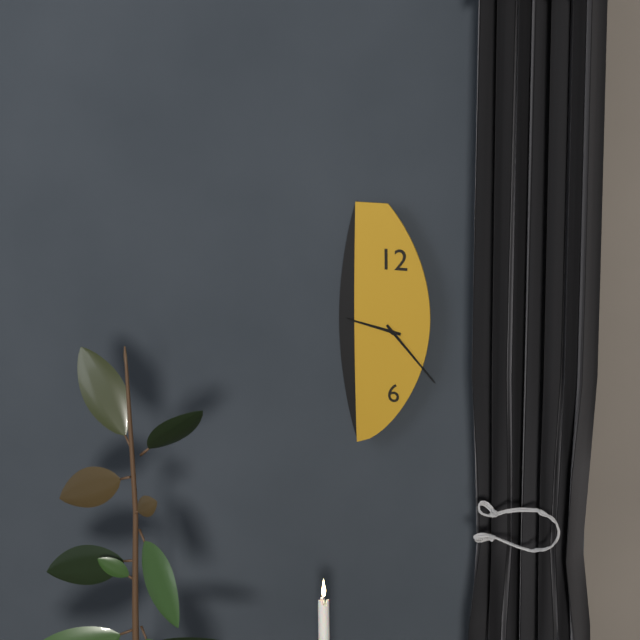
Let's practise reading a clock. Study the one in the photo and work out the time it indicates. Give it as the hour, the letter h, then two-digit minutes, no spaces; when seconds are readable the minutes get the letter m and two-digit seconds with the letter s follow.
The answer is 9h23
